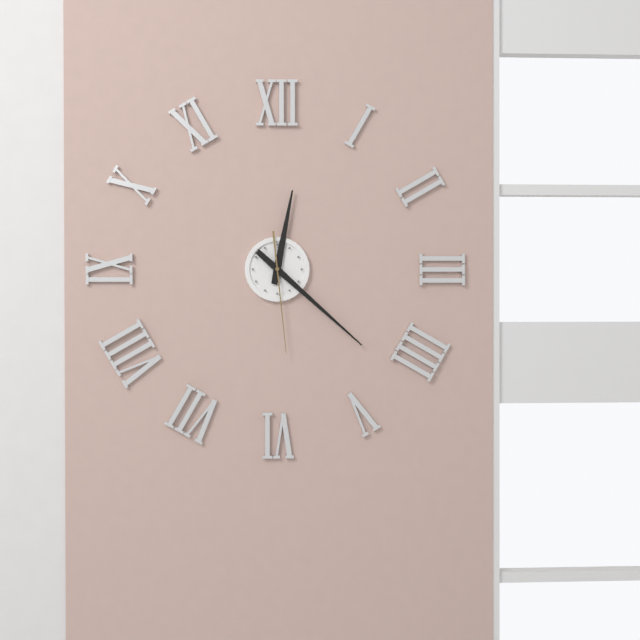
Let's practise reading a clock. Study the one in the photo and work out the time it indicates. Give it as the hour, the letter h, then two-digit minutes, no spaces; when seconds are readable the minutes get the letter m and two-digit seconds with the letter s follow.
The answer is 12h22m29s
